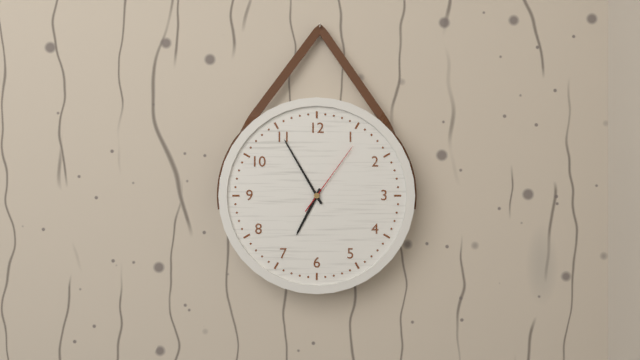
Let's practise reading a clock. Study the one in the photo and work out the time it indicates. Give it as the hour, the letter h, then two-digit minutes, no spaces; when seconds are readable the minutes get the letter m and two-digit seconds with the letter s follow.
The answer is 6h55m06s
